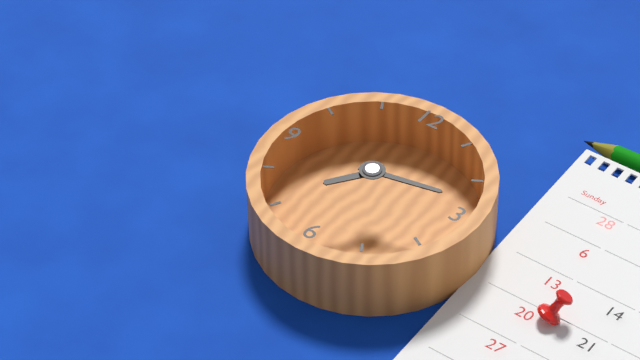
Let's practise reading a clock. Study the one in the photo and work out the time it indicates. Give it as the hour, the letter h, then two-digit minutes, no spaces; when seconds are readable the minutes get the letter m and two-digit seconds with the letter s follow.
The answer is 7h13
